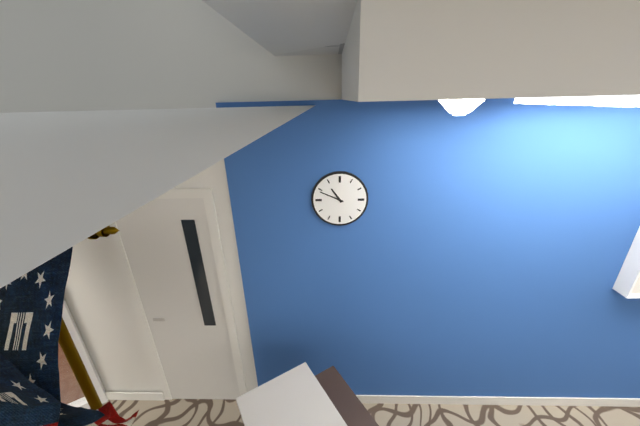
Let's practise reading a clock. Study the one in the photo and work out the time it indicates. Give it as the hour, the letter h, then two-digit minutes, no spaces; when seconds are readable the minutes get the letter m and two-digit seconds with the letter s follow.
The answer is 10h49
